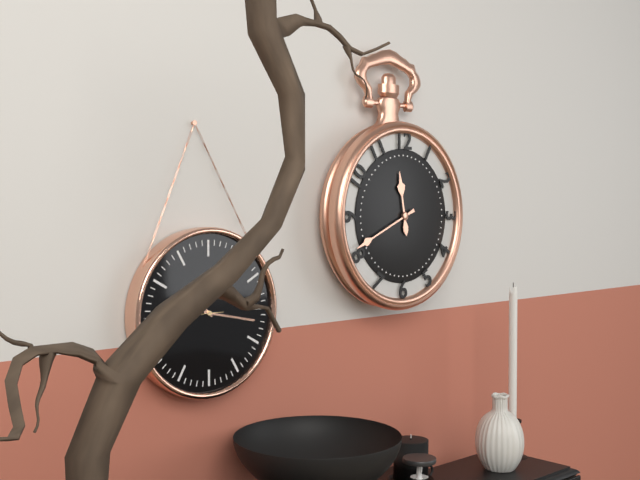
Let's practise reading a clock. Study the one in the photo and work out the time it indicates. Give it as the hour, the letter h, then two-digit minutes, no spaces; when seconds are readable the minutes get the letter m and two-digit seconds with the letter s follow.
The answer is 11h41
